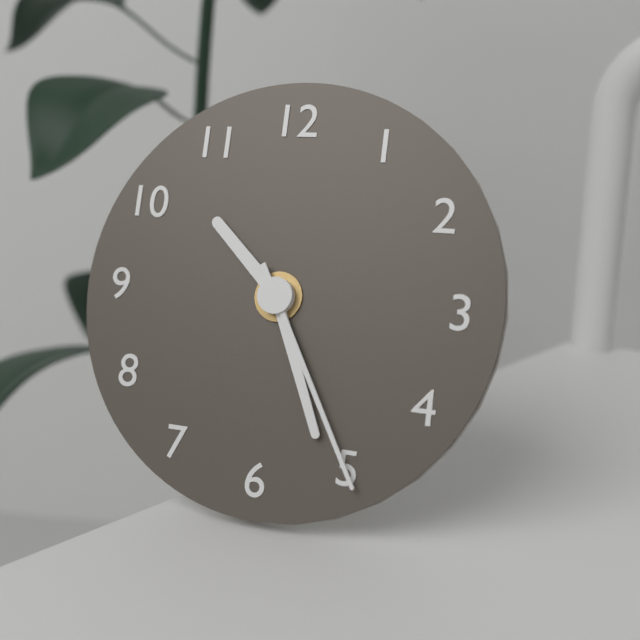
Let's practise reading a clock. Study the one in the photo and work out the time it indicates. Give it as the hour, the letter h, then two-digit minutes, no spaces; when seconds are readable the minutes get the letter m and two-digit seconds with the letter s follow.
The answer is 10h26m25s
